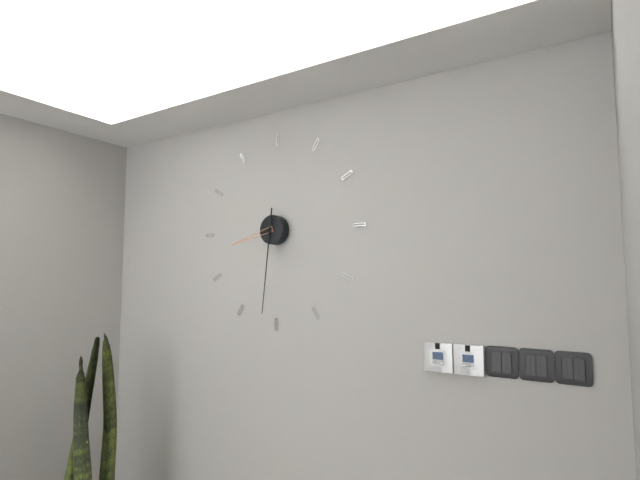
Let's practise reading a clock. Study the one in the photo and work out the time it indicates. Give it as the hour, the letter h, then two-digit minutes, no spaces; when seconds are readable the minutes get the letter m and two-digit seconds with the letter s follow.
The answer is 8h31
